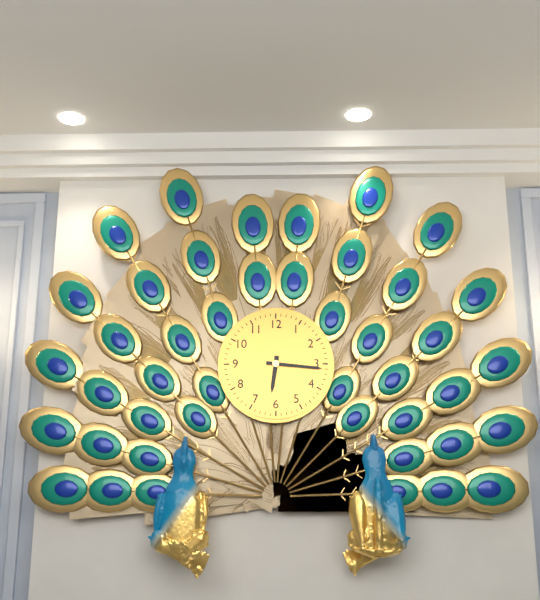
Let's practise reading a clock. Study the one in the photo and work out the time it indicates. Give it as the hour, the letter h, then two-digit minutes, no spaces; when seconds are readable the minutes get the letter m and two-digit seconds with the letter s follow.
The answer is 6h16
